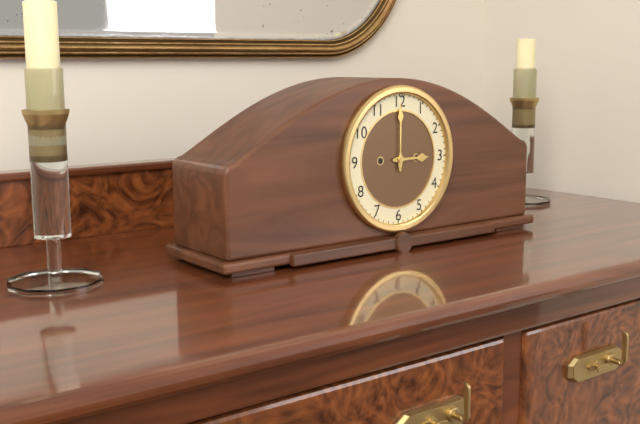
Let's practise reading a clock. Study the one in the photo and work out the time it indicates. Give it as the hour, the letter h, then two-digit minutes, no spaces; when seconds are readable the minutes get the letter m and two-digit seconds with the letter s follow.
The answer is 3h00
